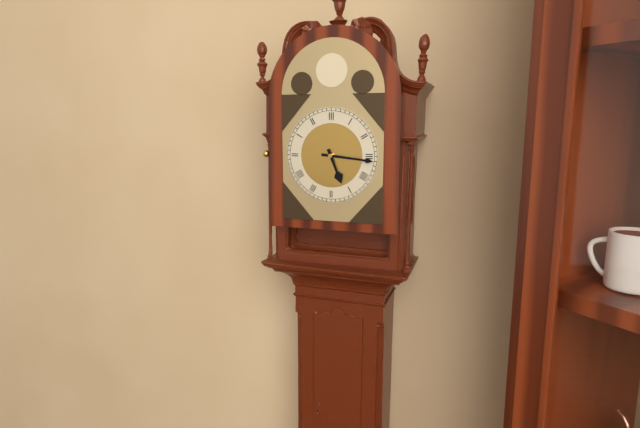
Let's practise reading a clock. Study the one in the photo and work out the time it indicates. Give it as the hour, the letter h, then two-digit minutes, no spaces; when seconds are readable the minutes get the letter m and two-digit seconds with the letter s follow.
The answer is 5h16
